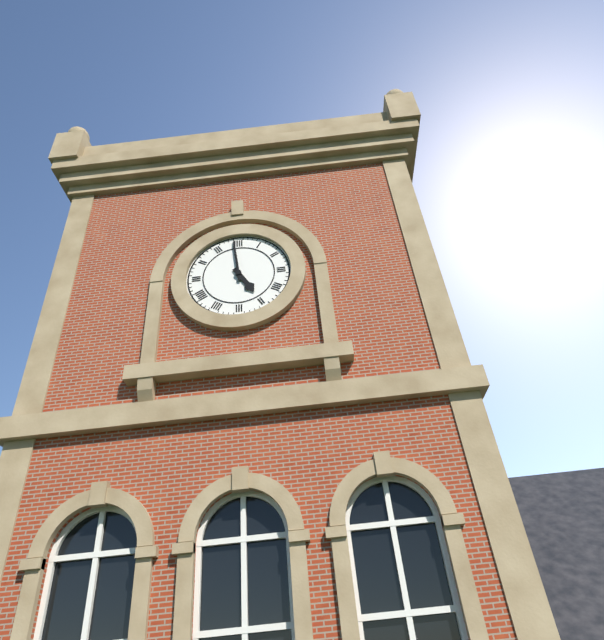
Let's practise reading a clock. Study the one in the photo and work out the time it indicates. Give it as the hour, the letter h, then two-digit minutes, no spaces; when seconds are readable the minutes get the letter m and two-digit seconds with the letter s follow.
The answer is 4h59
